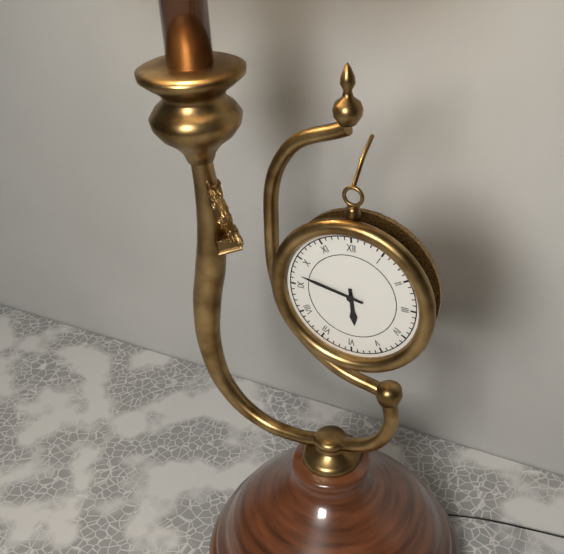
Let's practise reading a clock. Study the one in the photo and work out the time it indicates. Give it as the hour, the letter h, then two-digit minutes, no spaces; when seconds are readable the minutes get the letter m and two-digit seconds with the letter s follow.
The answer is 5h47
